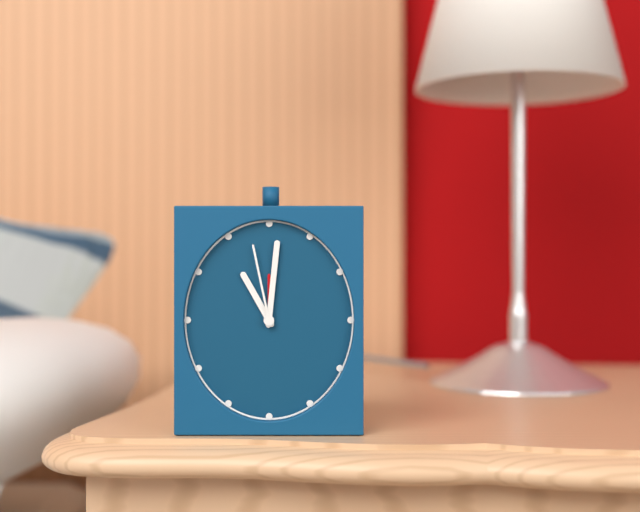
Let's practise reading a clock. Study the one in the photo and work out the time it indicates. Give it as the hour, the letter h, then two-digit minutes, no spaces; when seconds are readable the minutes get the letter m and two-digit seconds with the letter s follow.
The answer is 11h01m58s
